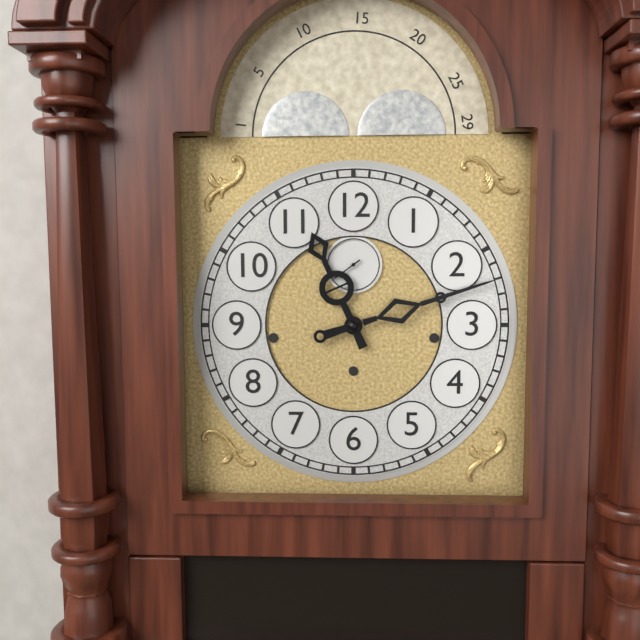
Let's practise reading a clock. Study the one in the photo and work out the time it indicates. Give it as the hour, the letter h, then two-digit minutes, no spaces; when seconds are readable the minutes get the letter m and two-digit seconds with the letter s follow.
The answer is 11h12
